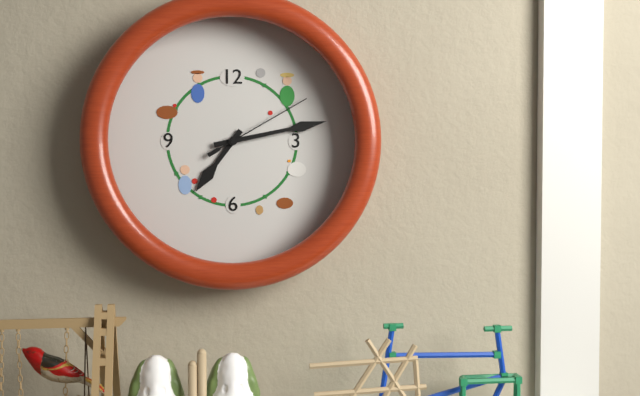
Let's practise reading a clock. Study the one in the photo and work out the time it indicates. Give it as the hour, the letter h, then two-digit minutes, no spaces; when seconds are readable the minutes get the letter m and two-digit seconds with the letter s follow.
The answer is 7h13m10s
